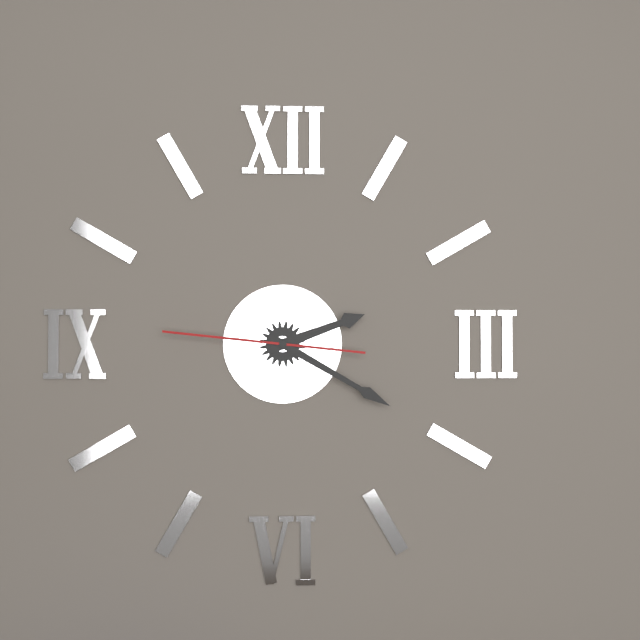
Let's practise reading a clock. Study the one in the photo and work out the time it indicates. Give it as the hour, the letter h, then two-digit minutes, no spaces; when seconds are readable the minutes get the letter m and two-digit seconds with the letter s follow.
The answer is 2h20m46s
